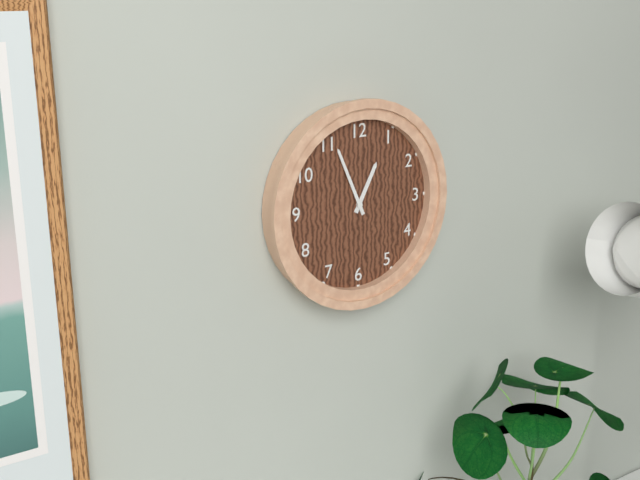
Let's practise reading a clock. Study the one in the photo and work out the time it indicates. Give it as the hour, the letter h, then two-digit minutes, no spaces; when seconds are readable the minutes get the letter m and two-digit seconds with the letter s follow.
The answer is 12h56
